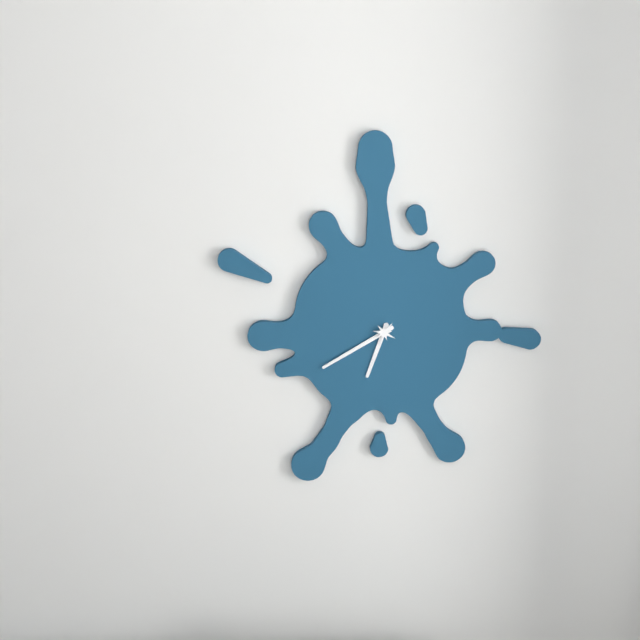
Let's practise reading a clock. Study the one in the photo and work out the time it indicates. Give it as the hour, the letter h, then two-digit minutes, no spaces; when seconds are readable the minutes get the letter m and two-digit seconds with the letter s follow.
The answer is 6h40
